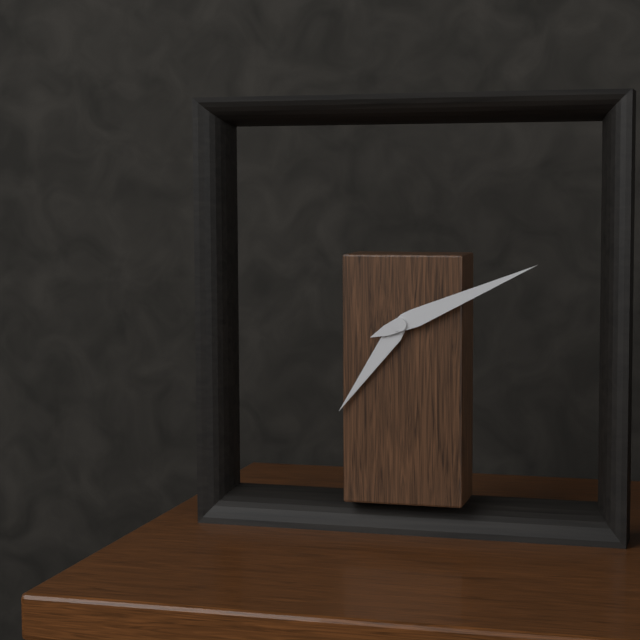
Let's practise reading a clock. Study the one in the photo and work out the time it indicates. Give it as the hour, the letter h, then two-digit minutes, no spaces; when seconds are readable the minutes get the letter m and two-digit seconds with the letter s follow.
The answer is 7h11
